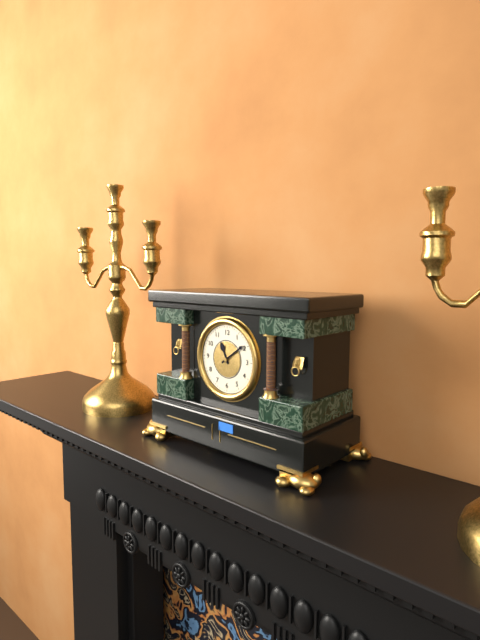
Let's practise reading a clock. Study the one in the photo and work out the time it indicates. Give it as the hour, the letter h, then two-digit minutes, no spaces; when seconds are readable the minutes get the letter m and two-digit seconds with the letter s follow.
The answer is 11h09
